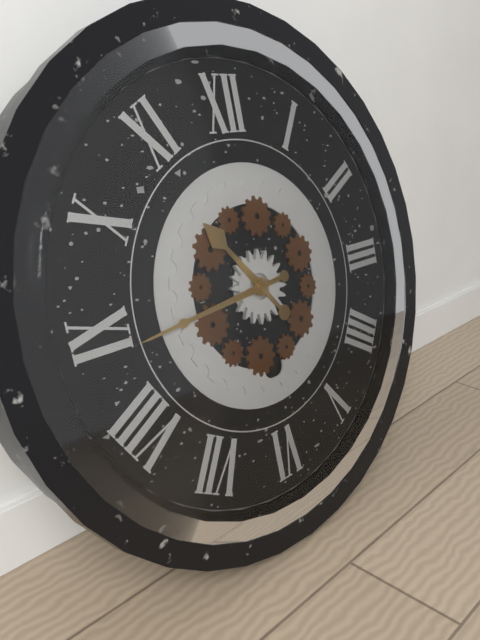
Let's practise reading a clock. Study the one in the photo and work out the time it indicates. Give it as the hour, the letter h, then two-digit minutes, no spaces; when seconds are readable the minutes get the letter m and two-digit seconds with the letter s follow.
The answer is 10h44
